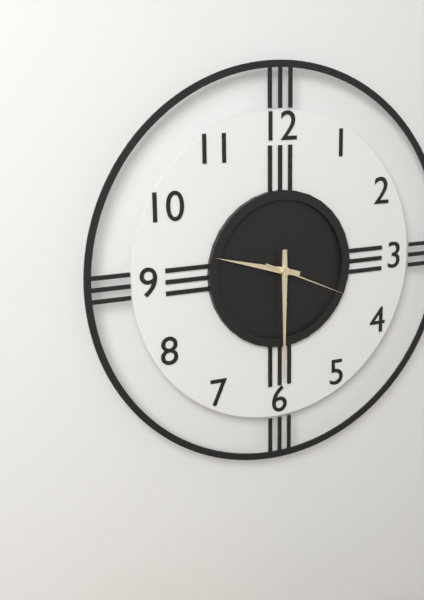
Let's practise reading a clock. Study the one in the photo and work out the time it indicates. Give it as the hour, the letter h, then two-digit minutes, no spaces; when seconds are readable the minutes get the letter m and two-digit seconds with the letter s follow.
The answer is 9h30m19s
